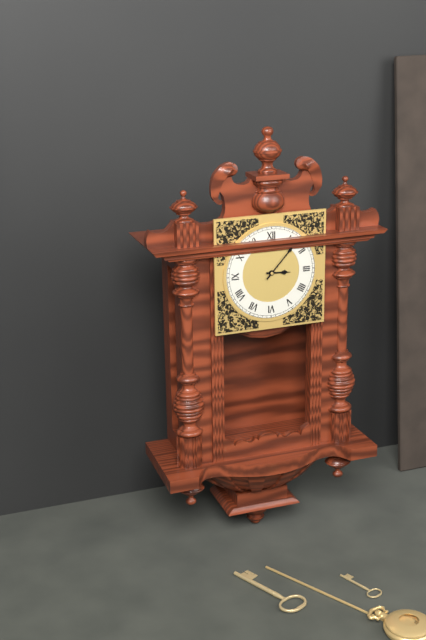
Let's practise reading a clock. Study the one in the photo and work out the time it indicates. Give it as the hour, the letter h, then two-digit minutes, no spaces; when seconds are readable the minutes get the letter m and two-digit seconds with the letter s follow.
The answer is 3h07
